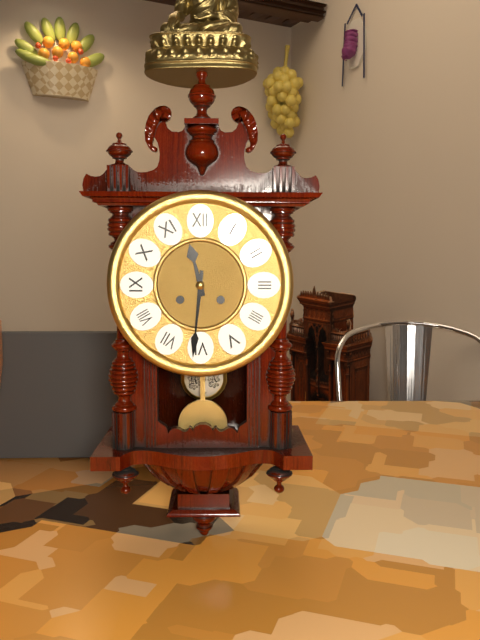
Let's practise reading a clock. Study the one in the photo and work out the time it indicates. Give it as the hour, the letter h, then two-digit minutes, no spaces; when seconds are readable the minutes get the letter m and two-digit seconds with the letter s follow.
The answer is 11h31
